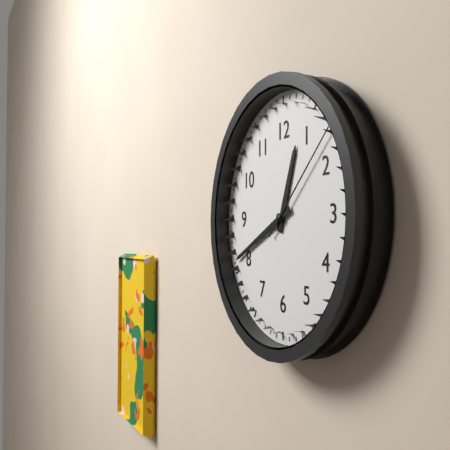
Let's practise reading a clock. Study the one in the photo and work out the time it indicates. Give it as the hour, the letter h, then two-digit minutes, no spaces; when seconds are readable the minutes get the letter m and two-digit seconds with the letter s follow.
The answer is 12h41m08s
